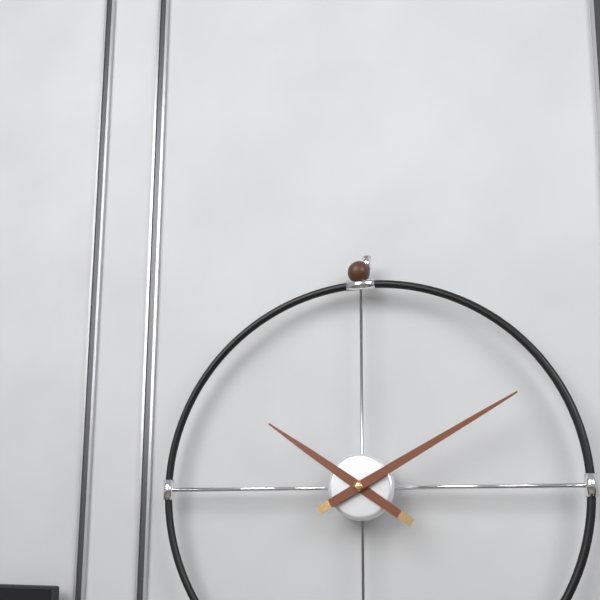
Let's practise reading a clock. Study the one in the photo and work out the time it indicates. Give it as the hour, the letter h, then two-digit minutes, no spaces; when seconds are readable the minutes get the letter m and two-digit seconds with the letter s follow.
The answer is 10h10
